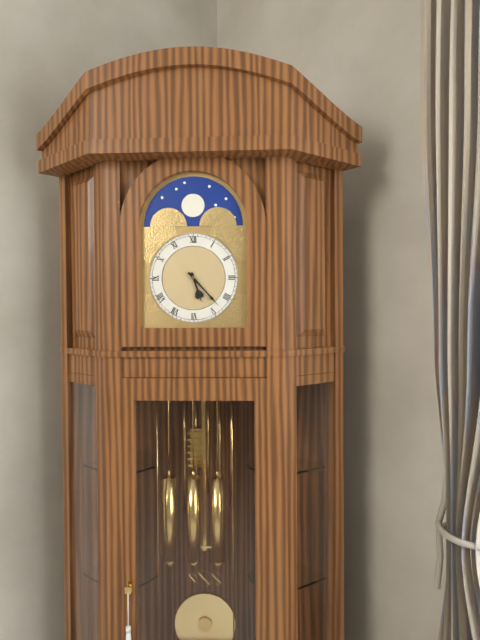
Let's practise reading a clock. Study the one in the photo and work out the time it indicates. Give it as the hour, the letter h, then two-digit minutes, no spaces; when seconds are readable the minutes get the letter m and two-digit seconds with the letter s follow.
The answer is 5h23
